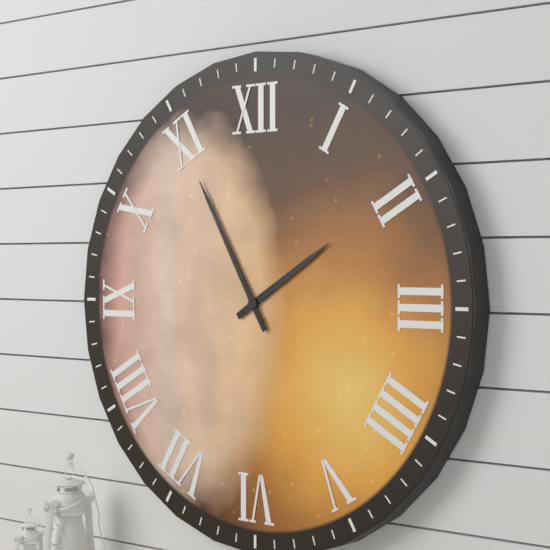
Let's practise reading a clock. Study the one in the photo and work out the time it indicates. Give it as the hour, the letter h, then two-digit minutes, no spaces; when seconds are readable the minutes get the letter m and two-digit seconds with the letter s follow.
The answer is 1h55
